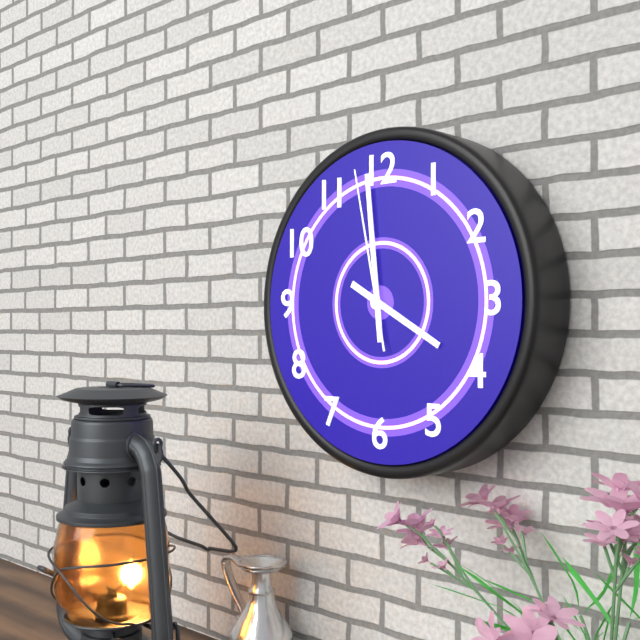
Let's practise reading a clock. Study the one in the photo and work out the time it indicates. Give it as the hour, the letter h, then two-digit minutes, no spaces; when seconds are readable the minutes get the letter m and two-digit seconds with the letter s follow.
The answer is 3h59m58s
